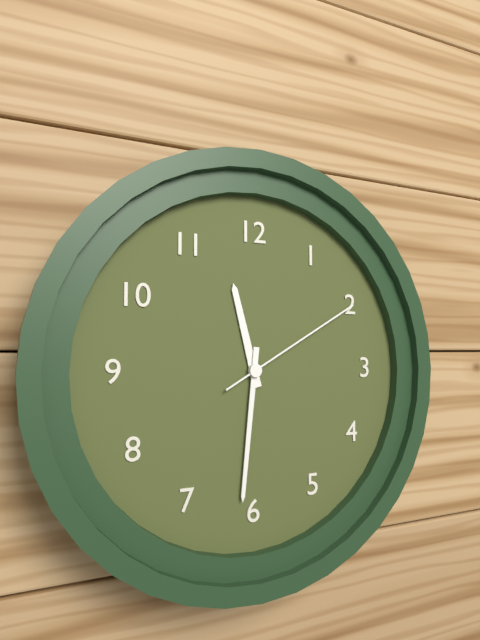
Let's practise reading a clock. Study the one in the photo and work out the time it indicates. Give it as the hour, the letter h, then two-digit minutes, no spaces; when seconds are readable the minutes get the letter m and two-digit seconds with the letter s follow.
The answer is 11h31m10s
